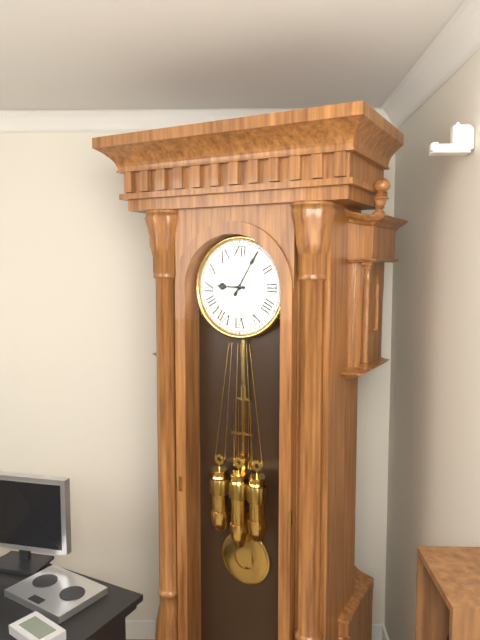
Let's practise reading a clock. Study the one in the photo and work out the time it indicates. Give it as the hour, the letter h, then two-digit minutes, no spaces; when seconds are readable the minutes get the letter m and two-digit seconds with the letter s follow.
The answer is 9h05
